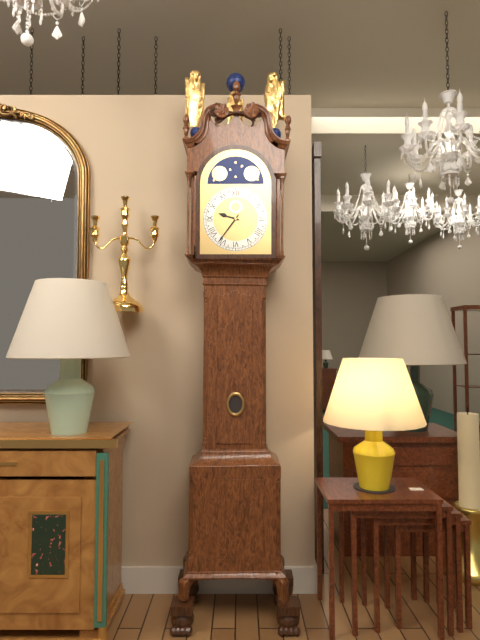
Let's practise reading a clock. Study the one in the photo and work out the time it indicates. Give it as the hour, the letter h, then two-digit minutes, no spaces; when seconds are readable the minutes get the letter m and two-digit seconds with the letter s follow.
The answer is 9h36
